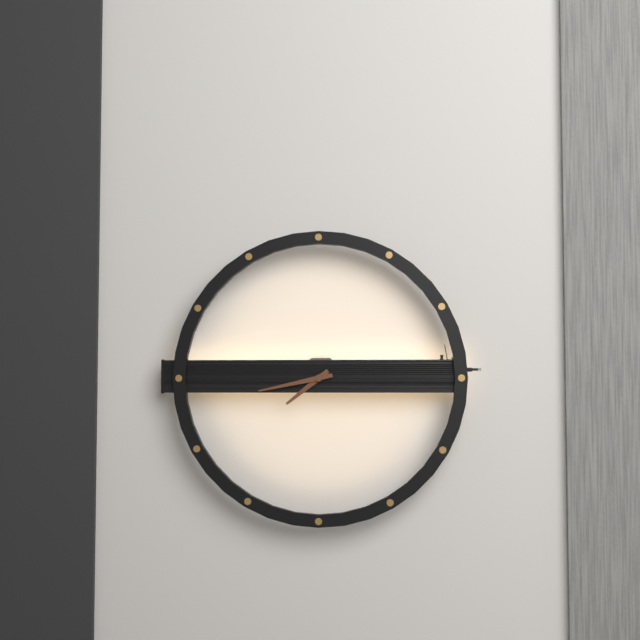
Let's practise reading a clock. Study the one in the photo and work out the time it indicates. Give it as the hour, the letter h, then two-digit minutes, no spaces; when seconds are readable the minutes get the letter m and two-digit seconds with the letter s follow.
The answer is 7h43
